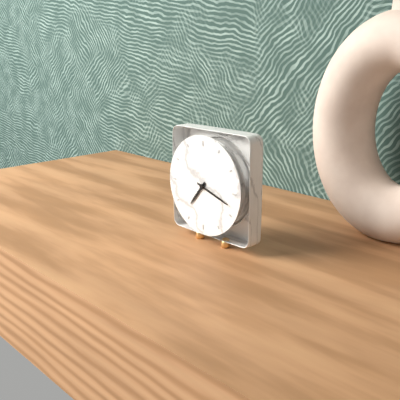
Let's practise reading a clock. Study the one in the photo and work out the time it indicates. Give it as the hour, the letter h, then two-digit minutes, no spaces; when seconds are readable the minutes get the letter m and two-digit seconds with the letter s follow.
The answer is 7h18
